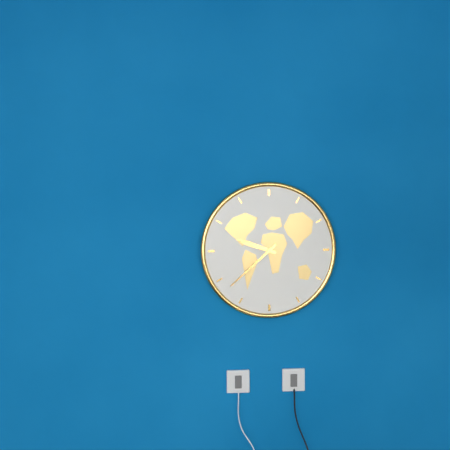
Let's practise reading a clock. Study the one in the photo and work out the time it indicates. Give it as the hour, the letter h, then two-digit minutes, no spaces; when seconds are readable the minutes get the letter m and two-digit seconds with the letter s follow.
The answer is 9h38
